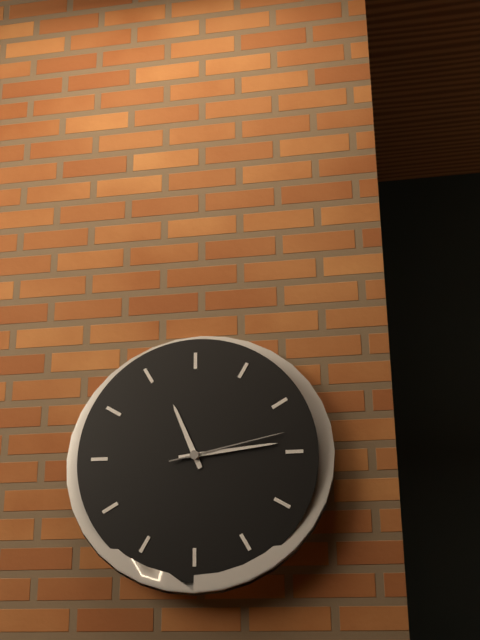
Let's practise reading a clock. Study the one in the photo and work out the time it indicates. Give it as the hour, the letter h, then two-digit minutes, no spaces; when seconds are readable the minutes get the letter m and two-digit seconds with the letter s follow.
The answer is 11h14m13s
